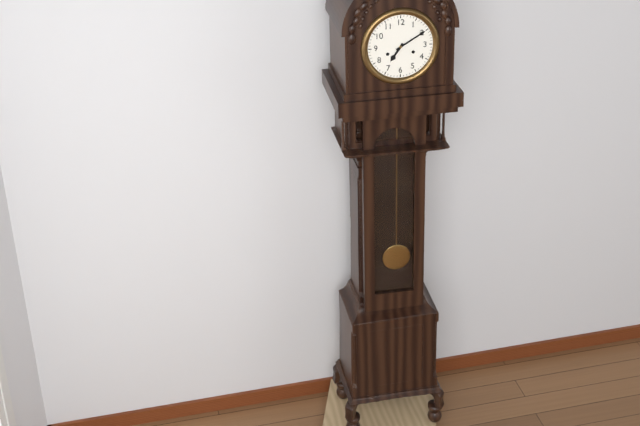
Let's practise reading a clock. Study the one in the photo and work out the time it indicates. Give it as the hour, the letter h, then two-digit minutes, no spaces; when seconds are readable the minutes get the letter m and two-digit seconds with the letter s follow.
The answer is 7h10
